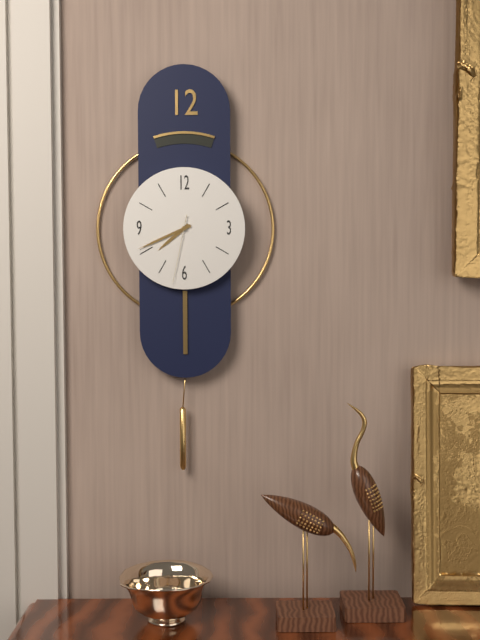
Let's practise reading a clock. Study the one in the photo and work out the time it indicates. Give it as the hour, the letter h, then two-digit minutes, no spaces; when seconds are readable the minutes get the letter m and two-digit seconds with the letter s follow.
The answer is 7h41m32s
